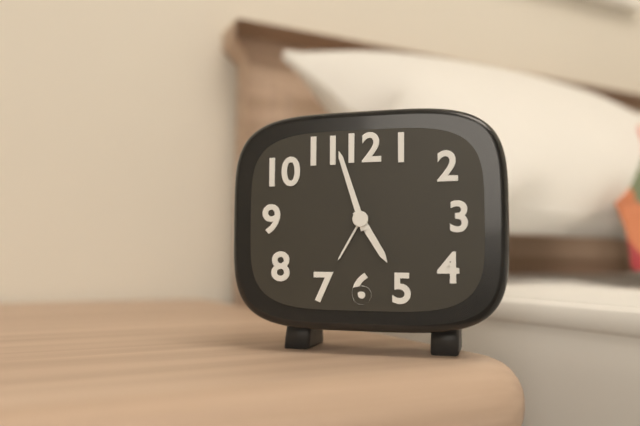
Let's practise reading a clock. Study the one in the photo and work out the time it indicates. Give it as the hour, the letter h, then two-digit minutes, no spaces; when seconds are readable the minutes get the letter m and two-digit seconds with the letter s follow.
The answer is 4h57
